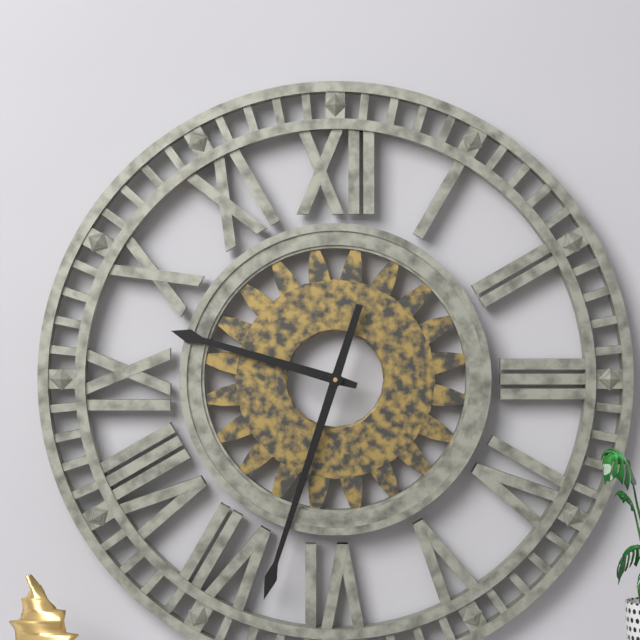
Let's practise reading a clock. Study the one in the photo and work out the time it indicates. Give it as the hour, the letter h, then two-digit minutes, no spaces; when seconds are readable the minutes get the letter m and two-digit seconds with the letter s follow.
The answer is 9h33
